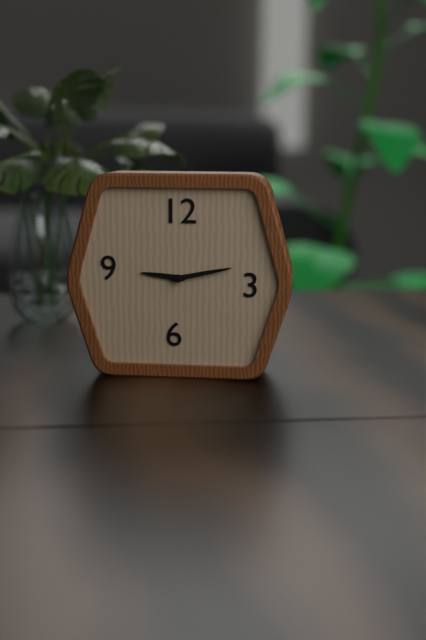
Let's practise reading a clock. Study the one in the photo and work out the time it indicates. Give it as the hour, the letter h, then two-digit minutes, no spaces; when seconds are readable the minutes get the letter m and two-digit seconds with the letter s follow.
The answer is 9h13
